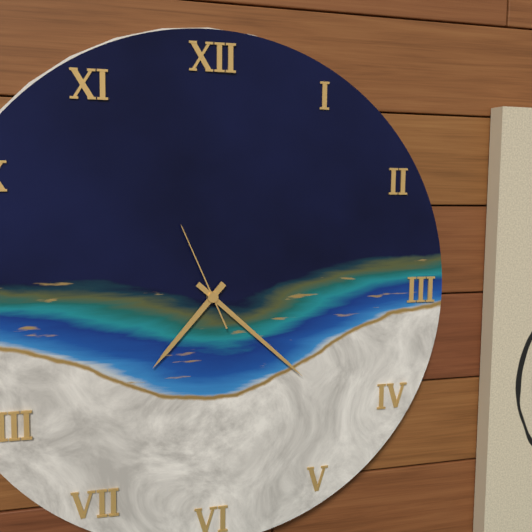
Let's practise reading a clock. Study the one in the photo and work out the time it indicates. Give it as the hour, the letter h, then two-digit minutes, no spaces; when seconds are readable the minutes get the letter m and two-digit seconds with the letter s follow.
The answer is 7h22m56s
